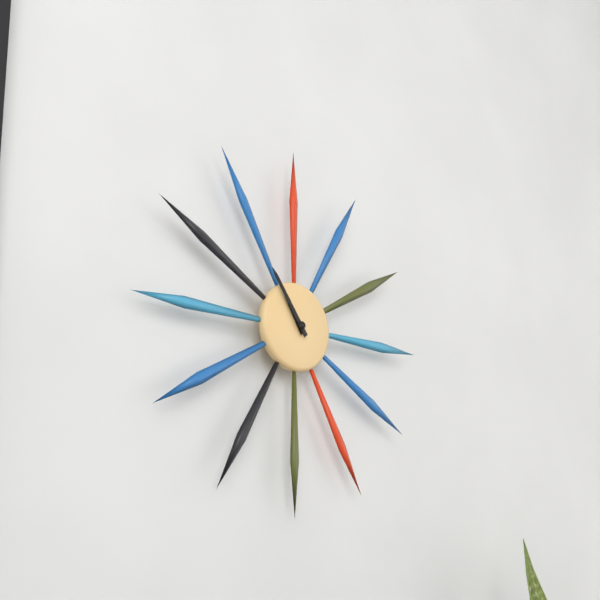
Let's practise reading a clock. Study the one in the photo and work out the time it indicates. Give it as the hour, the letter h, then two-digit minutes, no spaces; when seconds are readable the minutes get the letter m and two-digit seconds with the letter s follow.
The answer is 10h54
